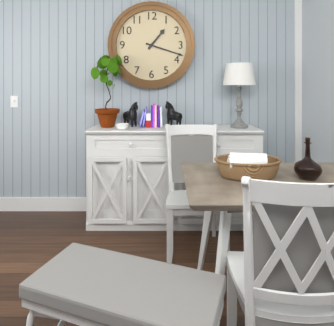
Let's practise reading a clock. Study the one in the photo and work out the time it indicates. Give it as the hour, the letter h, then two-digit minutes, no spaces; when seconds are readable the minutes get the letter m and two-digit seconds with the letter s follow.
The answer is 1h18
